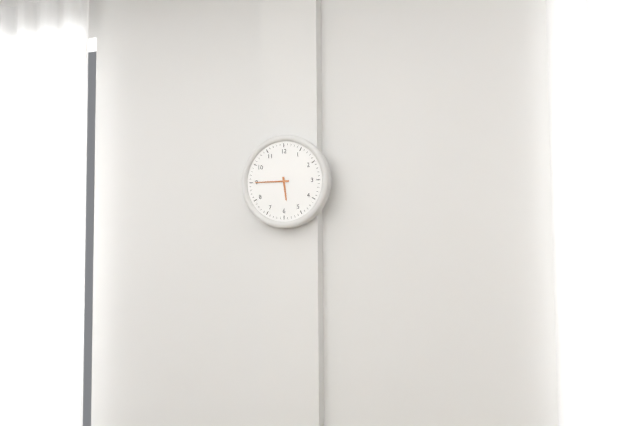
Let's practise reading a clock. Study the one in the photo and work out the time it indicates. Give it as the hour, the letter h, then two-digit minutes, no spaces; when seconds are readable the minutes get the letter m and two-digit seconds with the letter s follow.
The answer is 5h45
